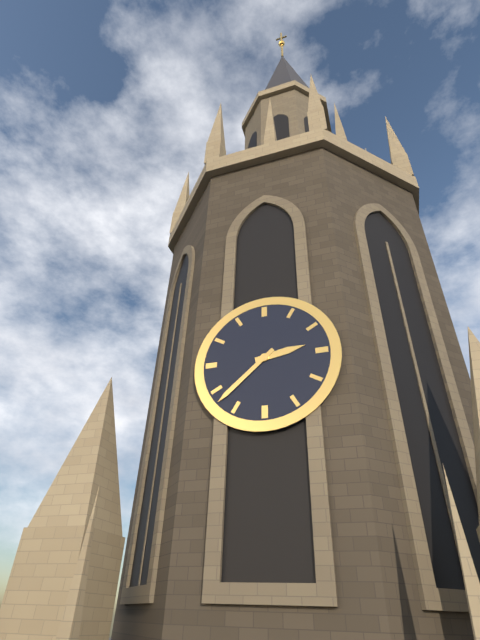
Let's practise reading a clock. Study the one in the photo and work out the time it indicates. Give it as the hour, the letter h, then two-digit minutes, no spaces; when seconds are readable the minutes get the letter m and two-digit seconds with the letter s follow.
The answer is 2h38
